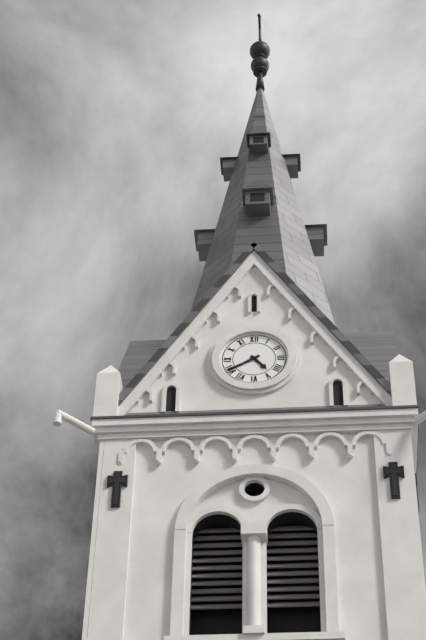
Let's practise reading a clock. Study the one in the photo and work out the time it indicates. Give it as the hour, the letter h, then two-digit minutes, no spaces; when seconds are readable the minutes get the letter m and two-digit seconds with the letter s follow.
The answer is 4h40
